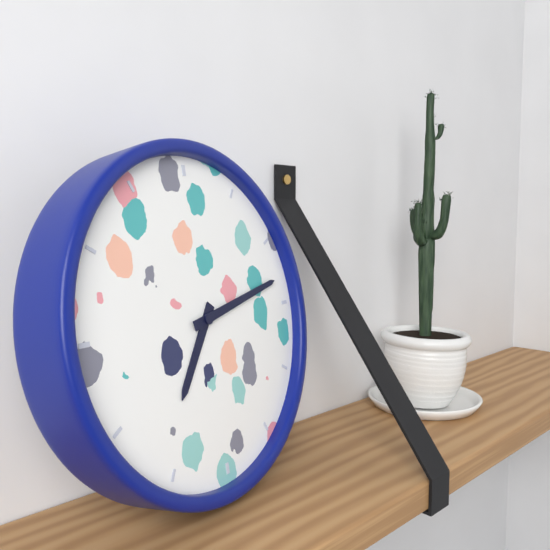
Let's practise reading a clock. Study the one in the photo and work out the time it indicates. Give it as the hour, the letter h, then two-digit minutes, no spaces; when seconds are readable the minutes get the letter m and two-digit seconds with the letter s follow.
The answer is 7h13
